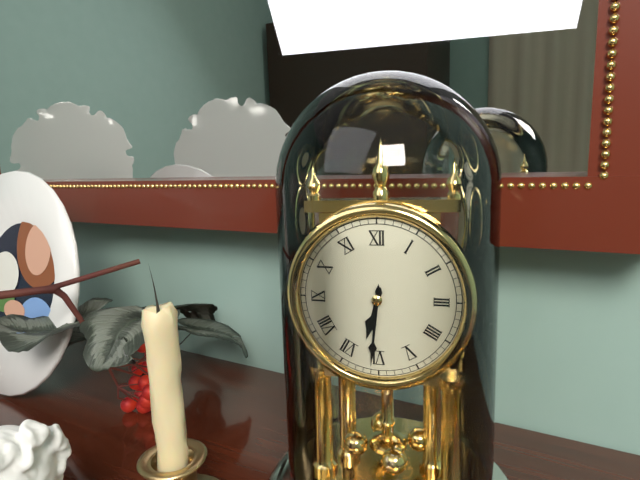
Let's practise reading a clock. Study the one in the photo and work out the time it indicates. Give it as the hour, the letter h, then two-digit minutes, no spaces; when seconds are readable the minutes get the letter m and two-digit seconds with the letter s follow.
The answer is 6h31
